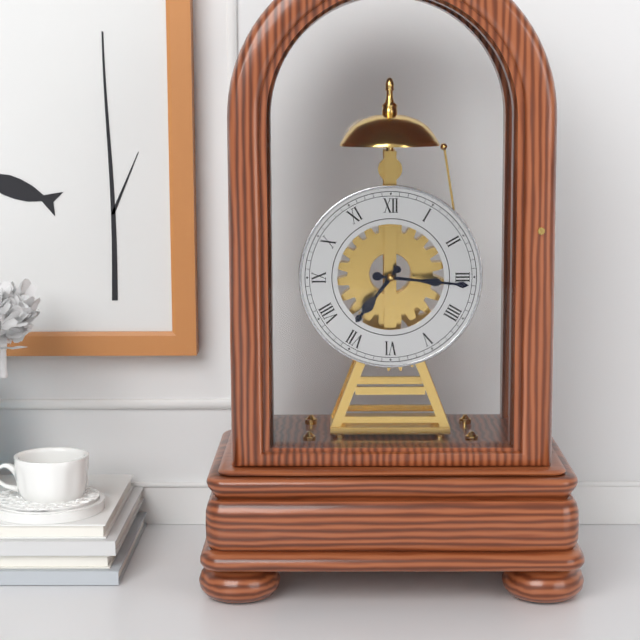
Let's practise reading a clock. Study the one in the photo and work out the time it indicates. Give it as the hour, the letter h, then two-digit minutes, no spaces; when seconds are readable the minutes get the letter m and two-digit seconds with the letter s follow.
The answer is 7h16
